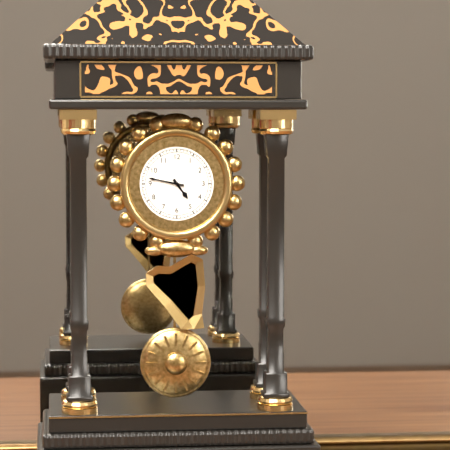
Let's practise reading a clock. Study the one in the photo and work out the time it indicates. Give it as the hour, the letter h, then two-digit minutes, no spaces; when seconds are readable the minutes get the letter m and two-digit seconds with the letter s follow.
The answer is 4h47
